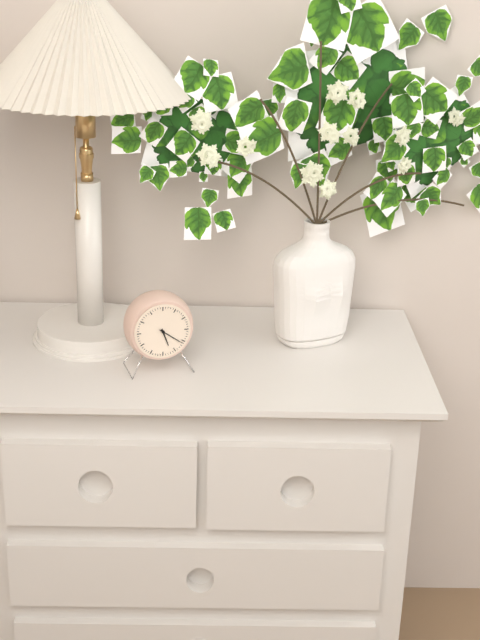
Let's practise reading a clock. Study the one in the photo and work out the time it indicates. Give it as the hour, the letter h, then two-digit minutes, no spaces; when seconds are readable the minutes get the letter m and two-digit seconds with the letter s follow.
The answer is 5h21
